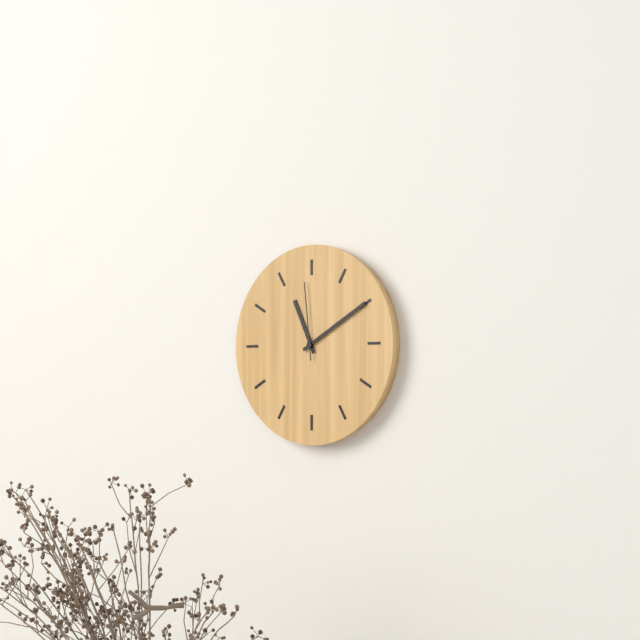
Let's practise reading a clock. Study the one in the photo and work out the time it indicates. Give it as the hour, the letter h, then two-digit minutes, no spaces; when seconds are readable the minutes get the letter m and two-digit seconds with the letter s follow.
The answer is 11h10m59s
